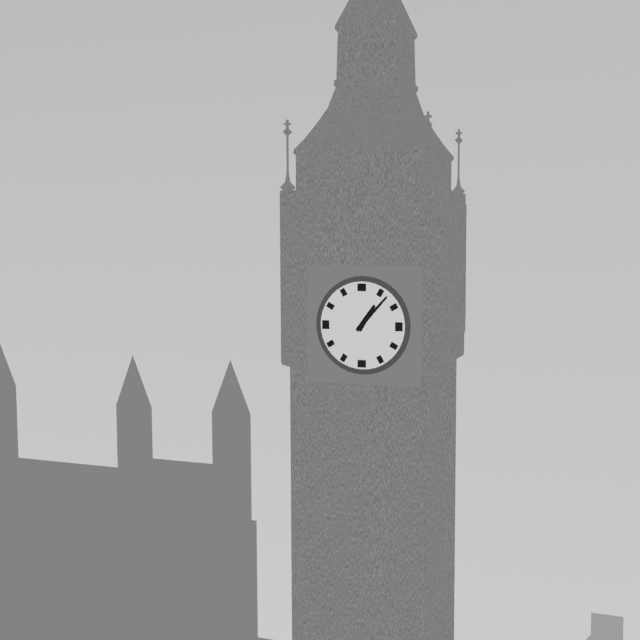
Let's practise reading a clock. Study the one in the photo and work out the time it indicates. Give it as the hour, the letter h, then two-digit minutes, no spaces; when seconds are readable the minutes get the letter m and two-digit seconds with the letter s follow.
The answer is 1h07
